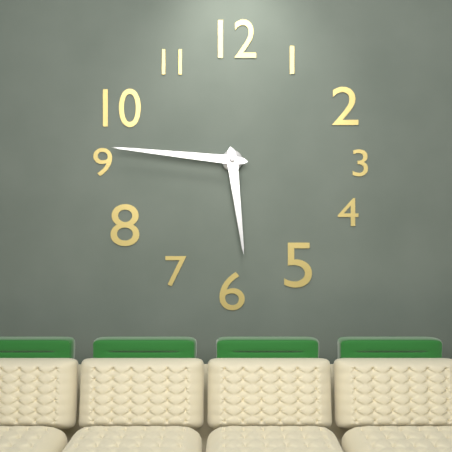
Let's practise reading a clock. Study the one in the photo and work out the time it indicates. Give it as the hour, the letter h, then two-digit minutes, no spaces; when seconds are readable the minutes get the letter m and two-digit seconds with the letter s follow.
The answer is 5h46
